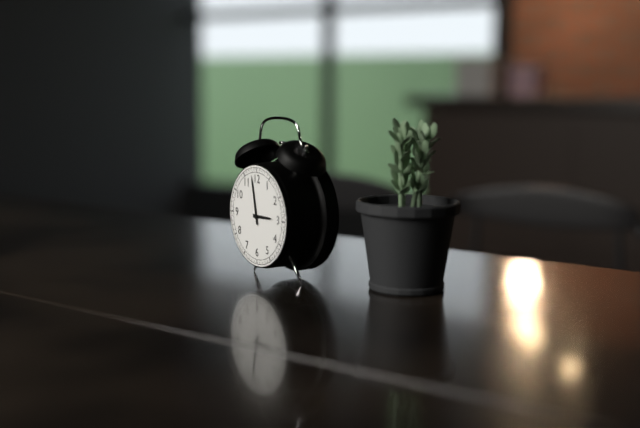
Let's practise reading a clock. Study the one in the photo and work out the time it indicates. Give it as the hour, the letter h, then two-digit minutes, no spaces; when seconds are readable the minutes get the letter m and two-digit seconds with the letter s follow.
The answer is 2h58
